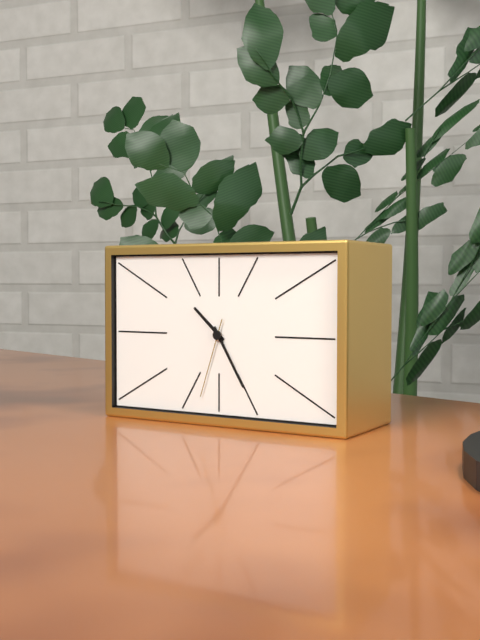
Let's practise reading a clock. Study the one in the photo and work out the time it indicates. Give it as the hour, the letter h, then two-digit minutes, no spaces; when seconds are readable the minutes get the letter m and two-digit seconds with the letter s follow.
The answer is 10h25m33s
